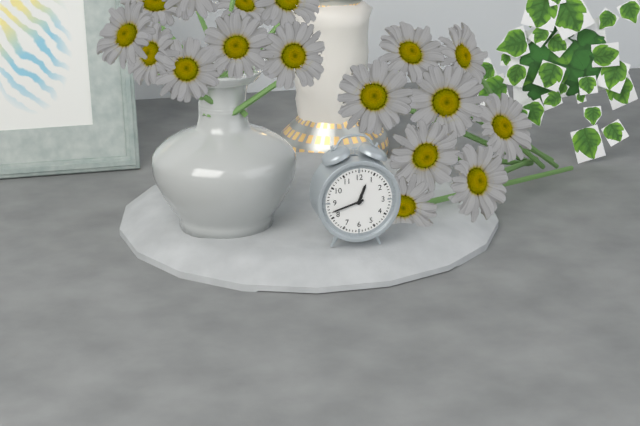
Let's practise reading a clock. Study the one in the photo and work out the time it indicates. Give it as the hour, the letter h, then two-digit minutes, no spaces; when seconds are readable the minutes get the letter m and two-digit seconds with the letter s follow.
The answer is 12h42
